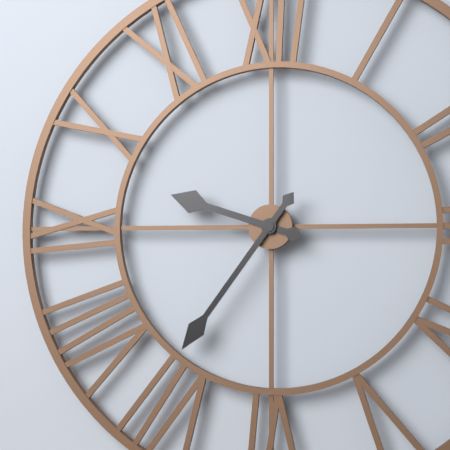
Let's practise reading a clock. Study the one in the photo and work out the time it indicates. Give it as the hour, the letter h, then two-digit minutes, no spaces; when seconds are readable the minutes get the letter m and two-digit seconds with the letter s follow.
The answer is 9h36
